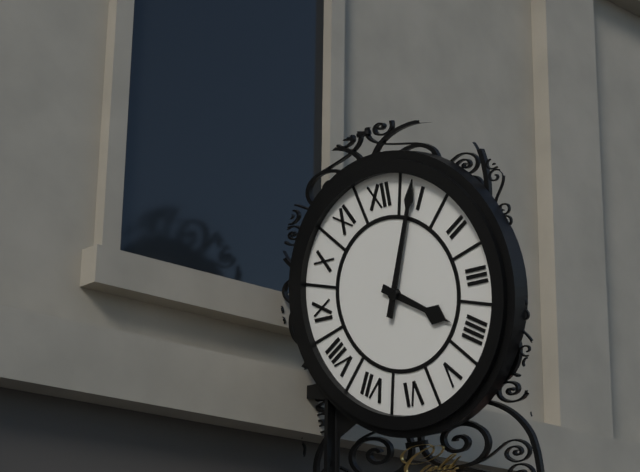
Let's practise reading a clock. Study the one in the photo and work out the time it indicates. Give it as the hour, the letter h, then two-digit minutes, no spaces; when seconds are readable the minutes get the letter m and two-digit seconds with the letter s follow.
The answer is 4h04
